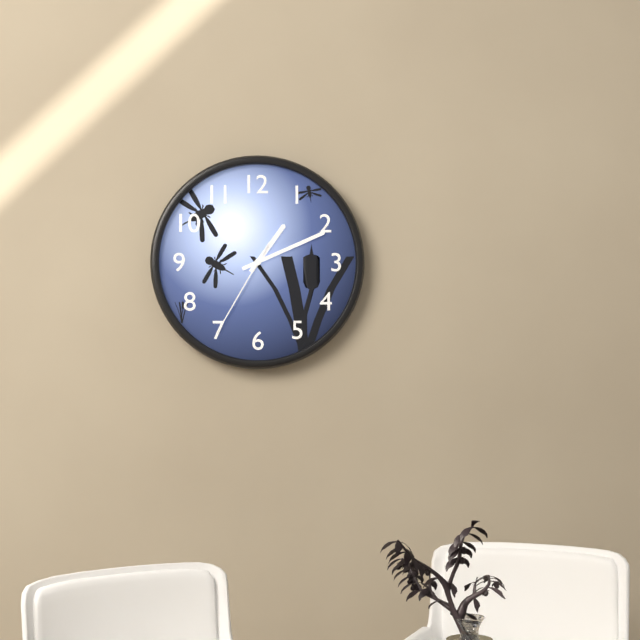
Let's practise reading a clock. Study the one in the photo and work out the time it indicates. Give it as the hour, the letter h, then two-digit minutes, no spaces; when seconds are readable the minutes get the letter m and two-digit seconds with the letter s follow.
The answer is 1h11m35s
